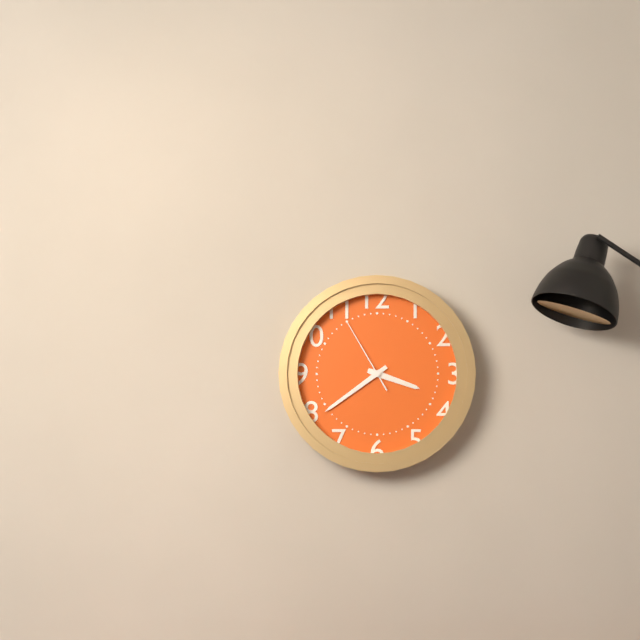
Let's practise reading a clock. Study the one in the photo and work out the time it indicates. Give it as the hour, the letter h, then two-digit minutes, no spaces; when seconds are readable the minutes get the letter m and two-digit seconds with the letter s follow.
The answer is 3h39m55s
